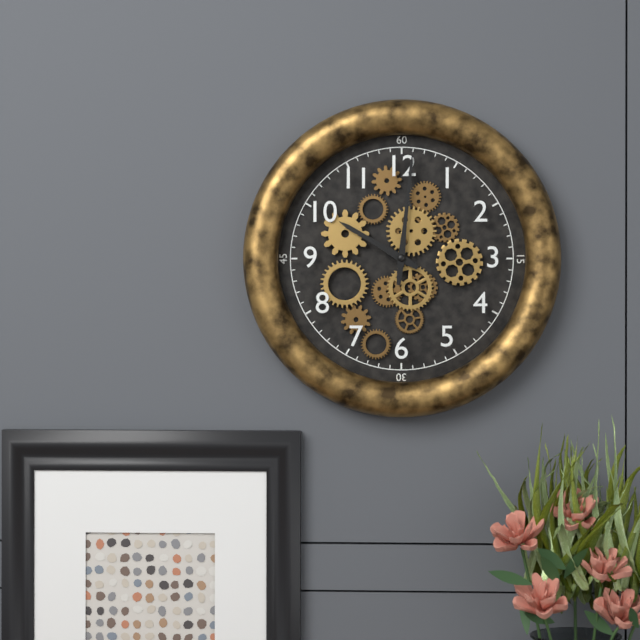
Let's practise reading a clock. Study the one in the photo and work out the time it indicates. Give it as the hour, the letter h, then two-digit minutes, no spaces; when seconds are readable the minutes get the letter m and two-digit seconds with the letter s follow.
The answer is 10h01
